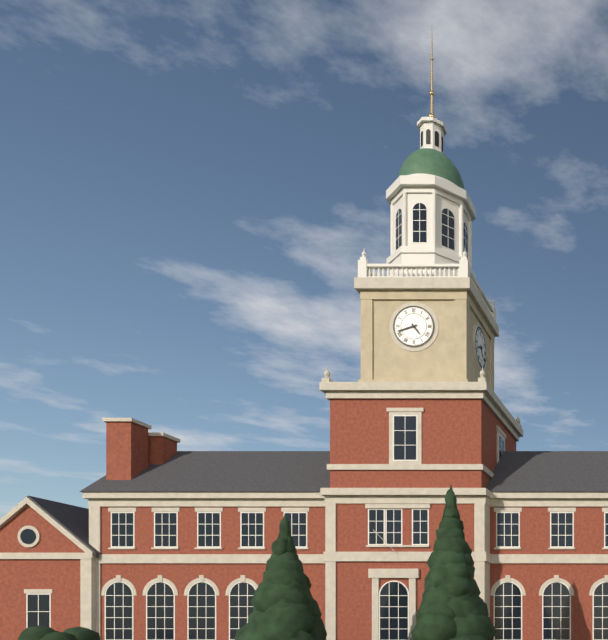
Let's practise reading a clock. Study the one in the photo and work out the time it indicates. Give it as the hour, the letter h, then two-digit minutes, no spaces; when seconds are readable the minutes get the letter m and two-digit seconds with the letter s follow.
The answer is 4h42
